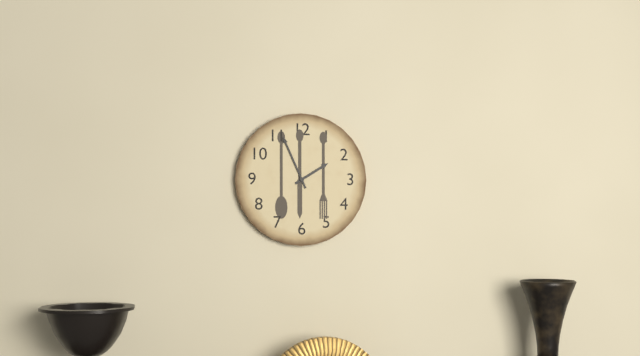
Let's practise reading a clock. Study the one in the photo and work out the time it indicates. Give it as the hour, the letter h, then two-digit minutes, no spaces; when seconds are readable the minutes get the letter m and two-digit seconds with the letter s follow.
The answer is 1h56
